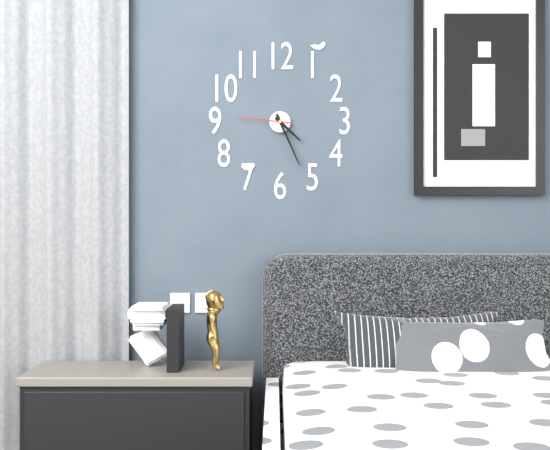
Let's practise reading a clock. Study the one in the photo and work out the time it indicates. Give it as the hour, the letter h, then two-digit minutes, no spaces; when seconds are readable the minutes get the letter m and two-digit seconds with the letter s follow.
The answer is 4h26m46s
